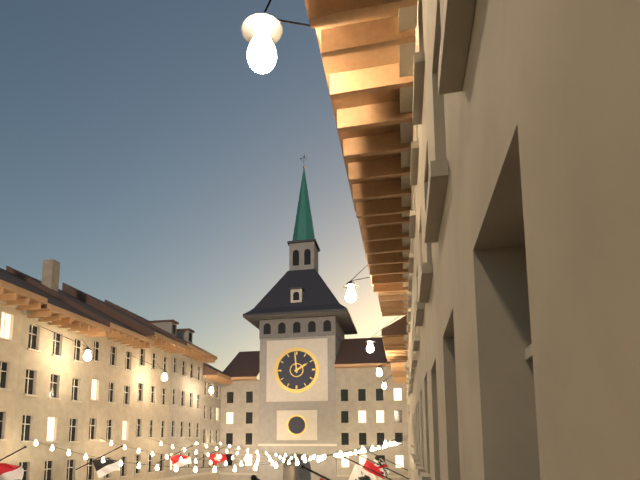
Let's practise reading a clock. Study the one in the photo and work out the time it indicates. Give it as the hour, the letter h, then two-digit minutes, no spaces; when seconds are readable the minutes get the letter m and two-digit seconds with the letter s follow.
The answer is 1h59
